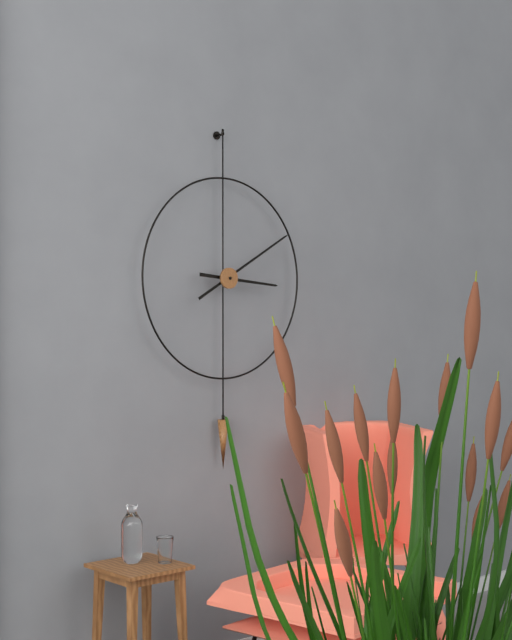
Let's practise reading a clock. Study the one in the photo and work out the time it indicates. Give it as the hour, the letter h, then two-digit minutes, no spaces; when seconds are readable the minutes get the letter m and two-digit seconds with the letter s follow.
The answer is 3h10
